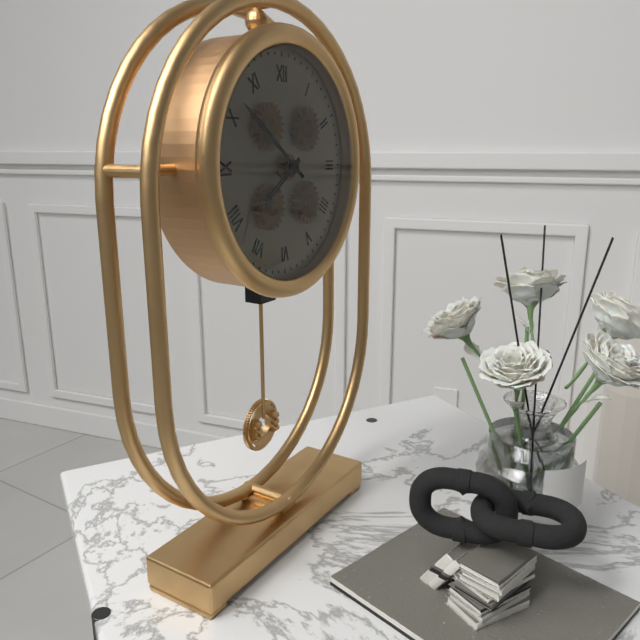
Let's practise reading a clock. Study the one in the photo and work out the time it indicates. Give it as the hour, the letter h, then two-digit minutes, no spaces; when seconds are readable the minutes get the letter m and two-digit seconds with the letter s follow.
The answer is 7h51
